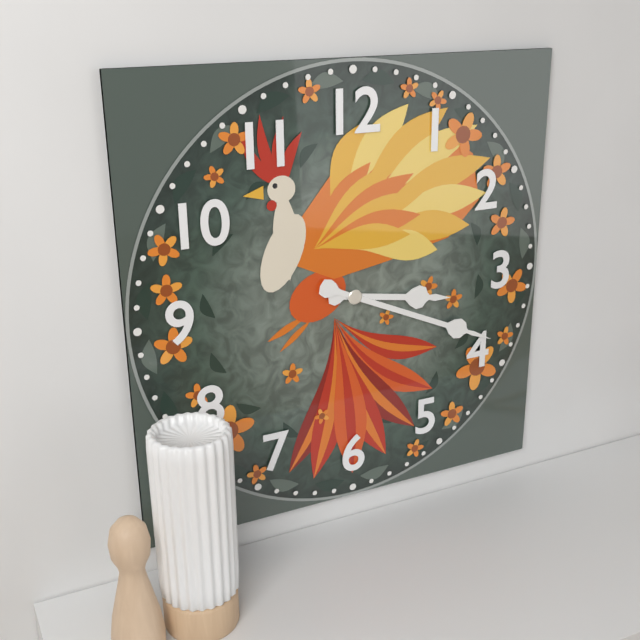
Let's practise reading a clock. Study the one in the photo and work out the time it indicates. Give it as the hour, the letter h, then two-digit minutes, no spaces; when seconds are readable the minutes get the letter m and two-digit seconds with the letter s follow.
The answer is 3h19
